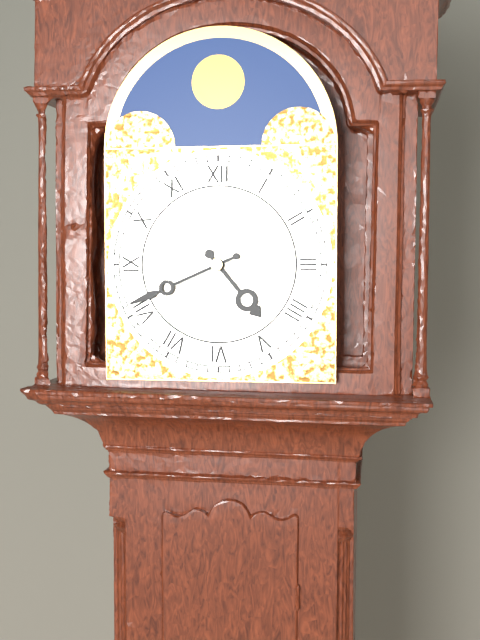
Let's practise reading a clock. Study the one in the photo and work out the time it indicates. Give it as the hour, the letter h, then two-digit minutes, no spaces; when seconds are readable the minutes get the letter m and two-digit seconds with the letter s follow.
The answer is 4h41
